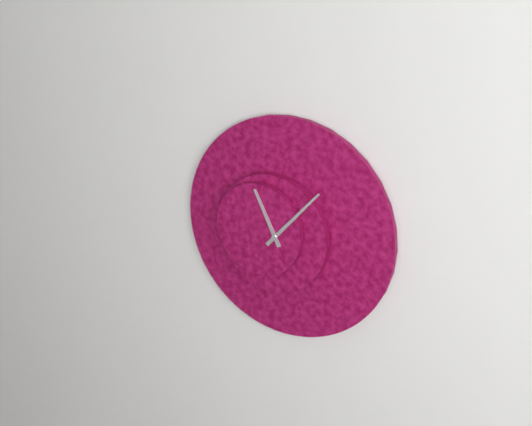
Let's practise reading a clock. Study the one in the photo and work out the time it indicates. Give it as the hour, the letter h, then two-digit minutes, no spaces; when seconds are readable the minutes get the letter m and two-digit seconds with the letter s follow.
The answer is 11h07
